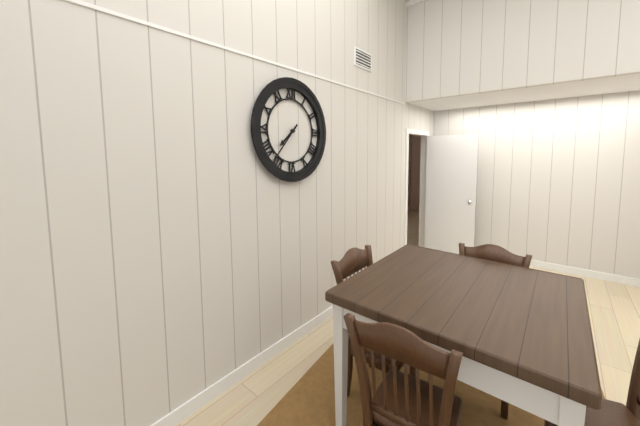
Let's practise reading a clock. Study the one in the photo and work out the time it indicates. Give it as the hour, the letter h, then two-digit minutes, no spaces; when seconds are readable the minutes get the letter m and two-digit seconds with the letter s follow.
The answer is 7h37
